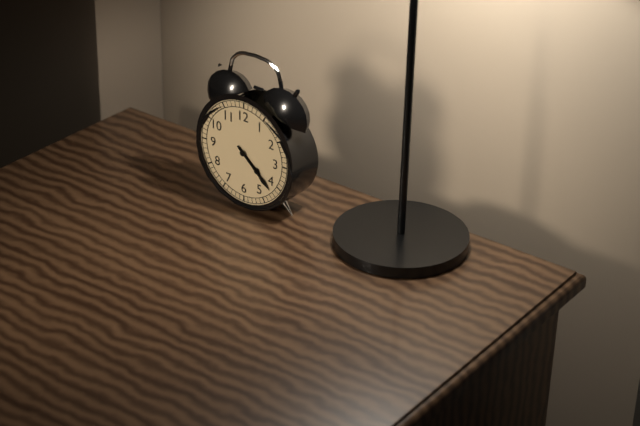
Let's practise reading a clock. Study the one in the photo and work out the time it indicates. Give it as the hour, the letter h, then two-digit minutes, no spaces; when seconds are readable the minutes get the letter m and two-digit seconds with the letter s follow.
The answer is 4h22
